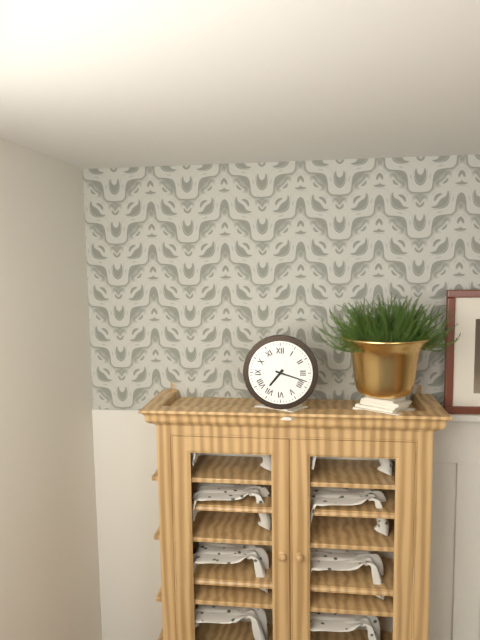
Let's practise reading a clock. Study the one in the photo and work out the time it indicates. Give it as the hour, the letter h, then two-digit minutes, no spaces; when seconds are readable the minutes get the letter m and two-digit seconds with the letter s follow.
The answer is 7h18
